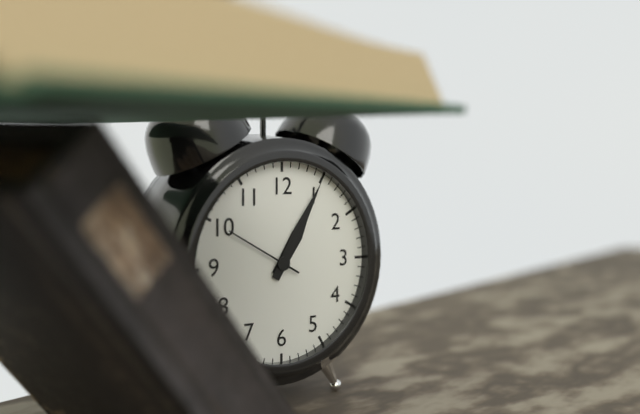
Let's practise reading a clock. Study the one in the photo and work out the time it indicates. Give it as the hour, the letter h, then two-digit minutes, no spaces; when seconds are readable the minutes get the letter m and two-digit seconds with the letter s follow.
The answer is 1h05m50s
